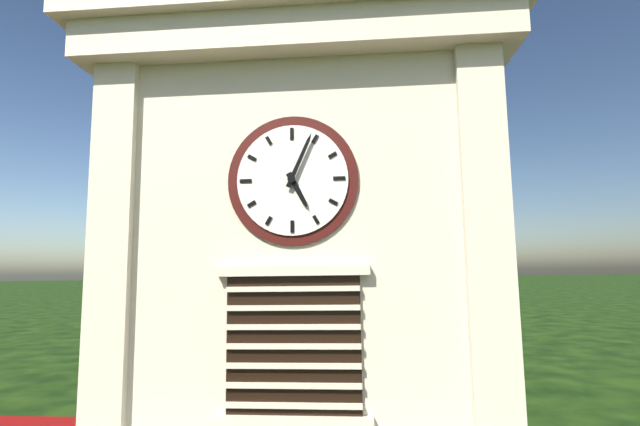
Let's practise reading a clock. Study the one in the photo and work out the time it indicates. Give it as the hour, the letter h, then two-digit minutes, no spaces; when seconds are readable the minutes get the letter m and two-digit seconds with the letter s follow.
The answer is 5h04
